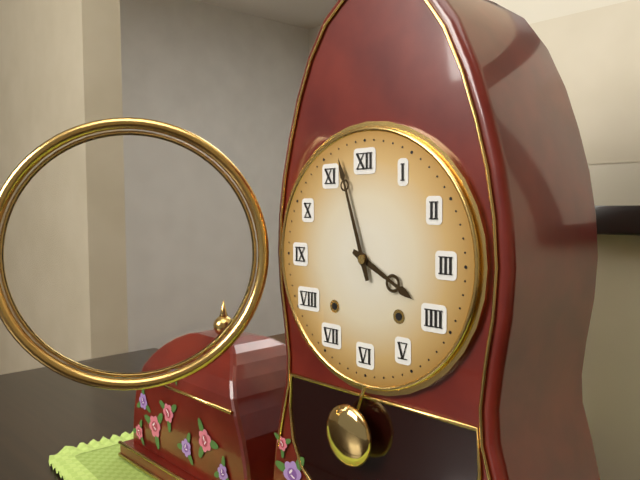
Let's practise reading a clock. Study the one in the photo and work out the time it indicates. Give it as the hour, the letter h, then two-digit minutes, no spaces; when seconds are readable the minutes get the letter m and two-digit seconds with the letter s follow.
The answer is 3h57
